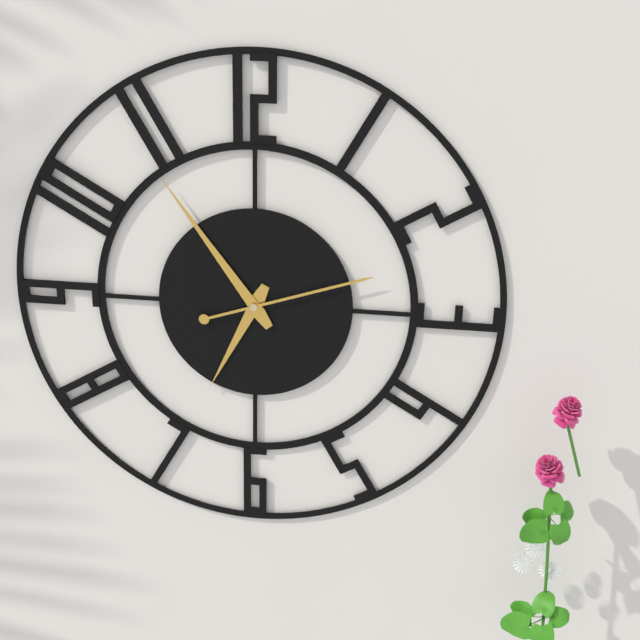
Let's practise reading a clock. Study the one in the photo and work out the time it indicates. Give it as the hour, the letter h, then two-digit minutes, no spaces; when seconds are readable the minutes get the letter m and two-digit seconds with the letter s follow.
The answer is 6h54m12s
